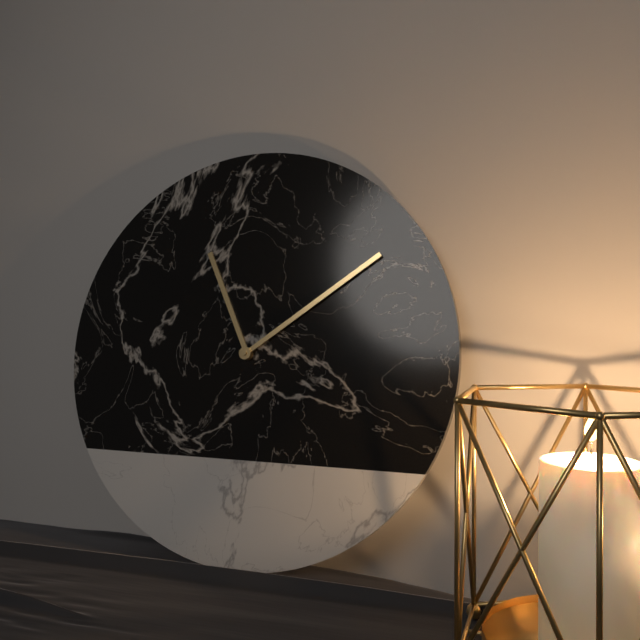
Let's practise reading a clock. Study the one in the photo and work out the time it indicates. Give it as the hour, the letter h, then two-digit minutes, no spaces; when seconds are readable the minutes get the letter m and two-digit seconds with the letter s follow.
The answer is 11h09
